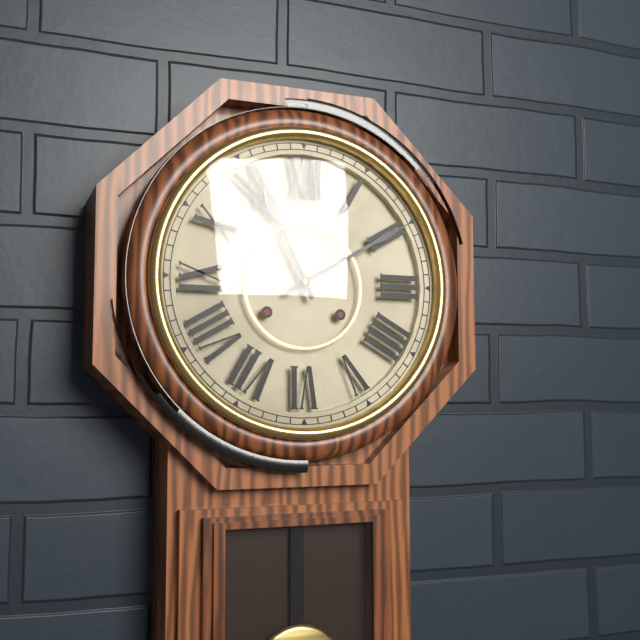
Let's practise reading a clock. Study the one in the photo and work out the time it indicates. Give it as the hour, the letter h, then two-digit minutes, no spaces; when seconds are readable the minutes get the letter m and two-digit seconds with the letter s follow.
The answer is 11h10
